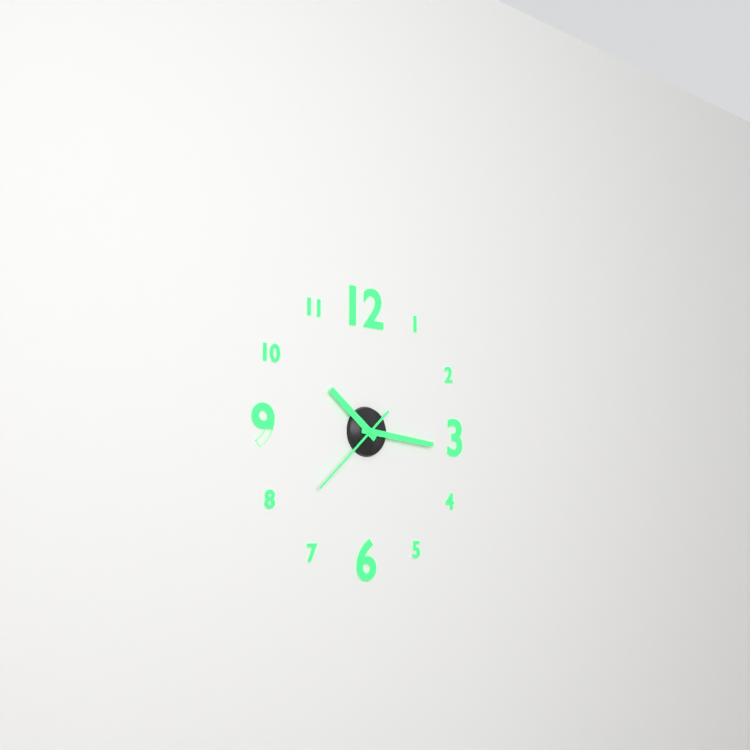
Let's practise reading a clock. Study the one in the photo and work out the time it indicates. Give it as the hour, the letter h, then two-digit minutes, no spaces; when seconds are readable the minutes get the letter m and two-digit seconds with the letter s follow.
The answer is 10h16m38s
